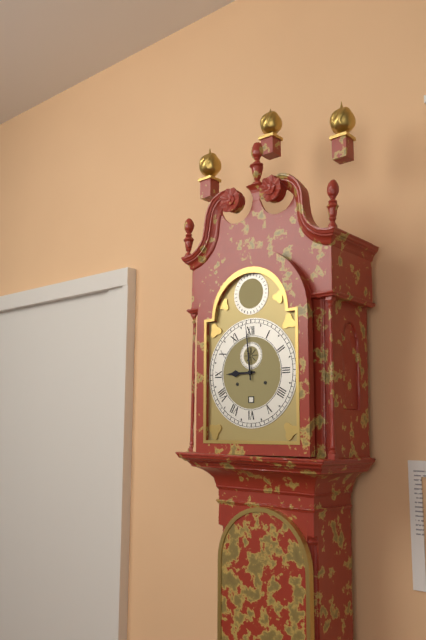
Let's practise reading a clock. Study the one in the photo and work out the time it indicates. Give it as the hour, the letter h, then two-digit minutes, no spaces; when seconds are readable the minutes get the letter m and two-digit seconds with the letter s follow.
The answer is 8h59
